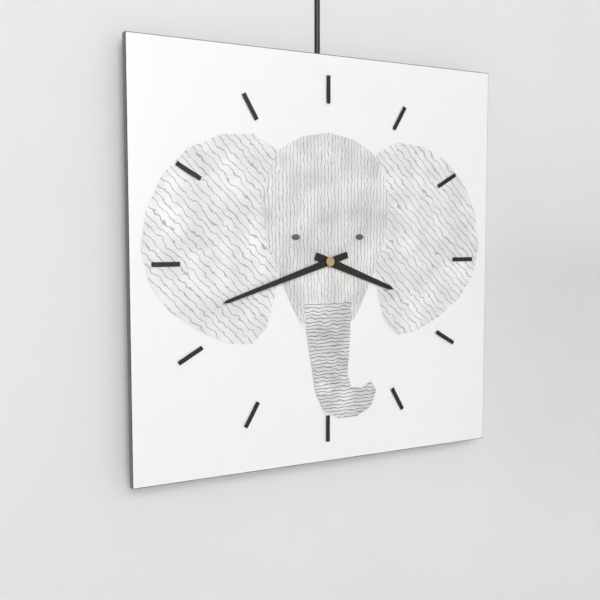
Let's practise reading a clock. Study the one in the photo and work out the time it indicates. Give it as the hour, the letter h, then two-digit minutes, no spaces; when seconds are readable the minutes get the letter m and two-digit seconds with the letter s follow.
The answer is 3h42
